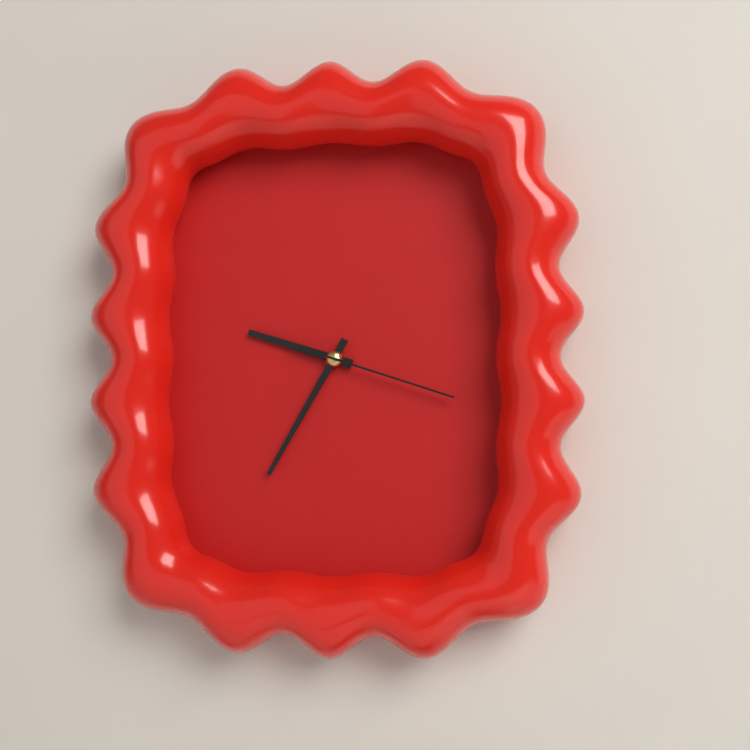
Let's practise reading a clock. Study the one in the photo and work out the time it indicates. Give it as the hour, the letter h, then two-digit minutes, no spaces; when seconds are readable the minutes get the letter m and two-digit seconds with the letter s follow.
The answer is 9h35m18s
